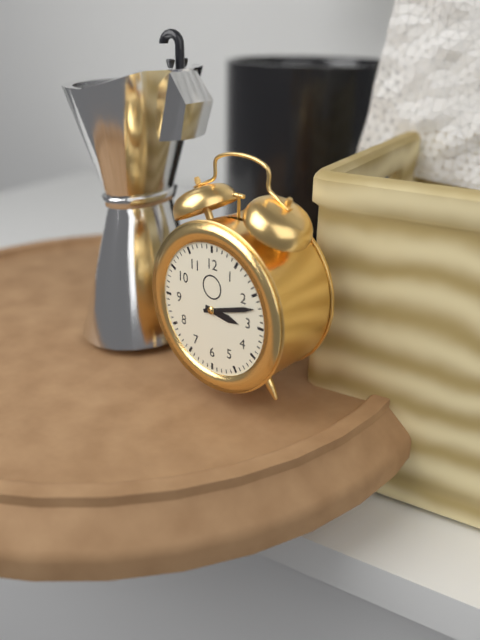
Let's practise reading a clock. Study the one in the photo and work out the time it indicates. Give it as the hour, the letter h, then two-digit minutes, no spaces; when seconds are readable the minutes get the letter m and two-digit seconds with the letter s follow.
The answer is 3h12
